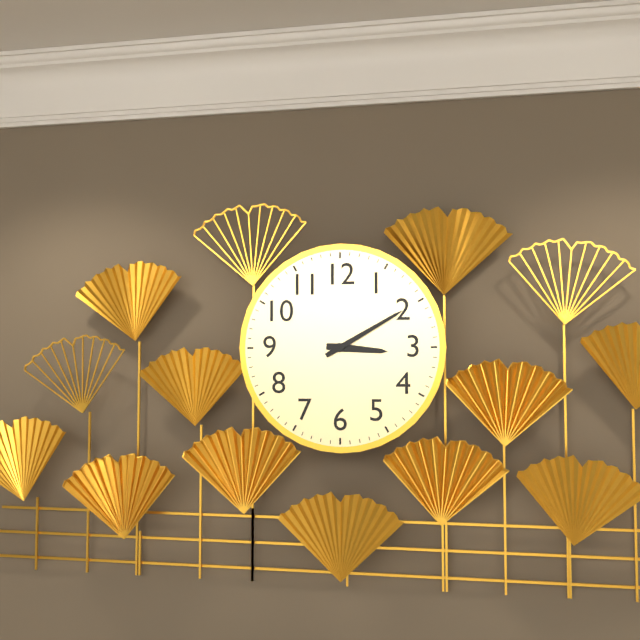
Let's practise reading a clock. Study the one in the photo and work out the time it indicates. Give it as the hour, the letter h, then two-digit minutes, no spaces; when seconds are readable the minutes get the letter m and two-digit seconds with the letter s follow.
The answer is 3h10
